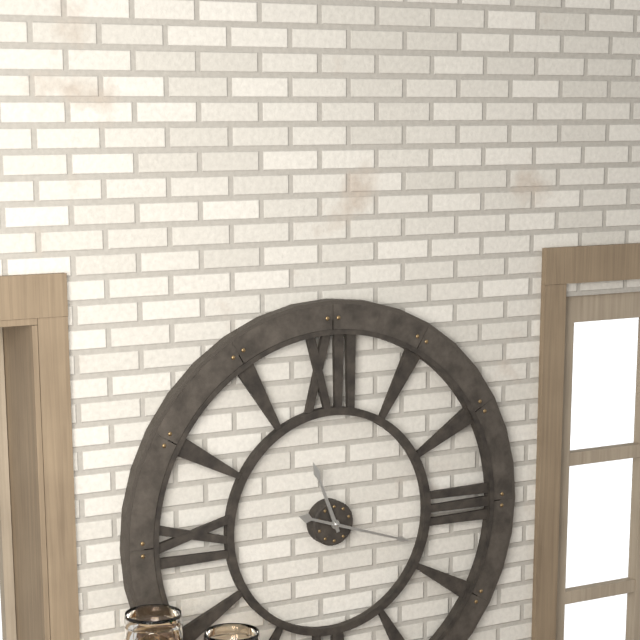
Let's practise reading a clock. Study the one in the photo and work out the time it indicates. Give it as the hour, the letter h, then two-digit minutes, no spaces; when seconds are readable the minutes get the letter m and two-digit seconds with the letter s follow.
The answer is 11h18
